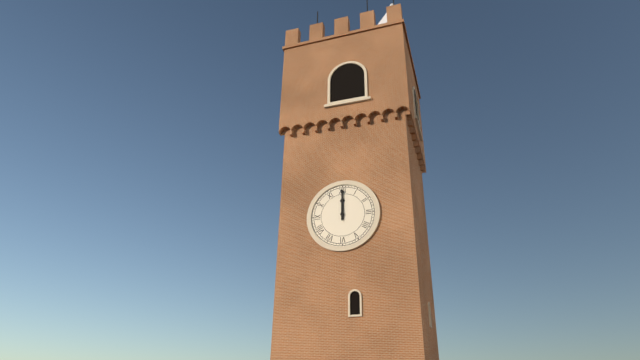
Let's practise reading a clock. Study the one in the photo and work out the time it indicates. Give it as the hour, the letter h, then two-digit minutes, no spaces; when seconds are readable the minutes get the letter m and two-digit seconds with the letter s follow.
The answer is 12h00
